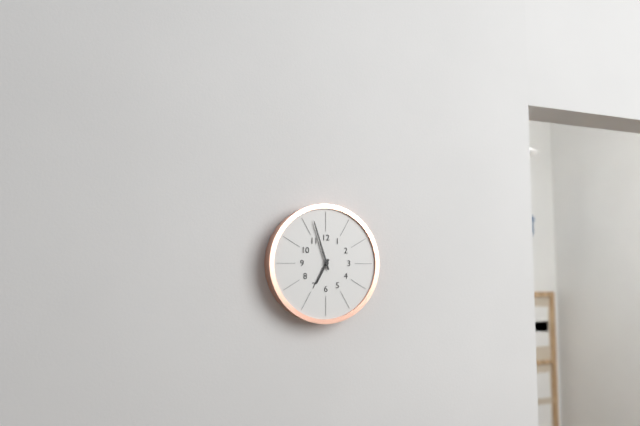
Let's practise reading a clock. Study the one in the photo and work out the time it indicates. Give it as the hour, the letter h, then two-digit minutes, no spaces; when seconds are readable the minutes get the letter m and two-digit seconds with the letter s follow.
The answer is 6h57
